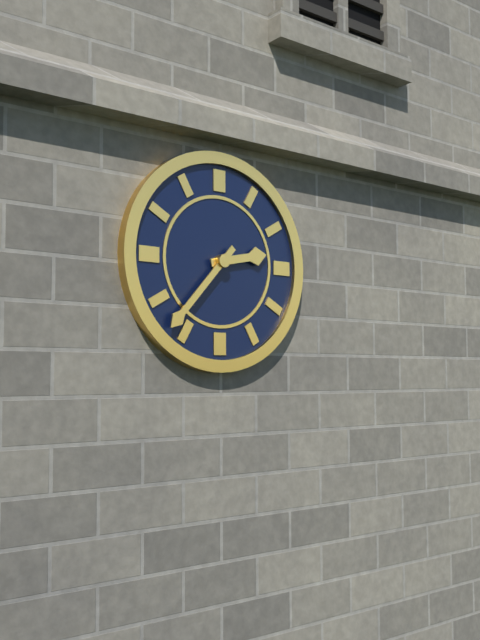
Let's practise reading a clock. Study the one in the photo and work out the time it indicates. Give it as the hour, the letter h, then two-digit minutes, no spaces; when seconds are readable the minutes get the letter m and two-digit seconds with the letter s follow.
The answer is 2h37
